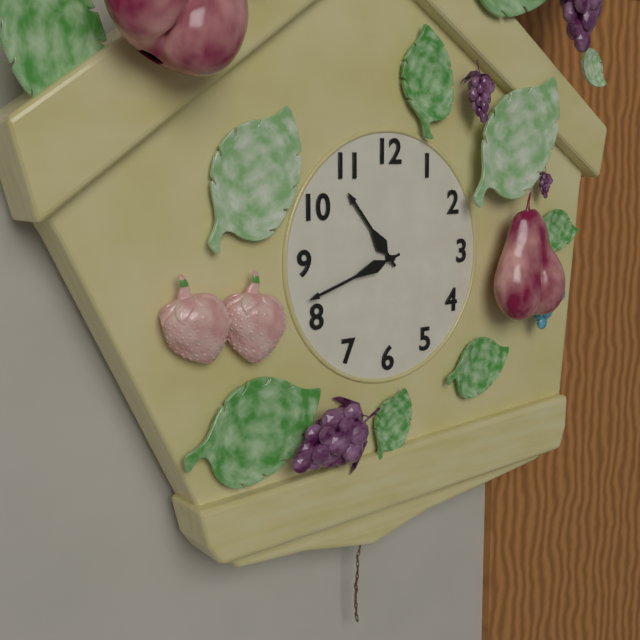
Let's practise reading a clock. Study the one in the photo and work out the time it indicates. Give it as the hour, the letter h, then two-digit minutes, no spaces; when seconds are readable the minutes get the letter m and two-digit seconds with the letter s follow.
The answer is 10h42
